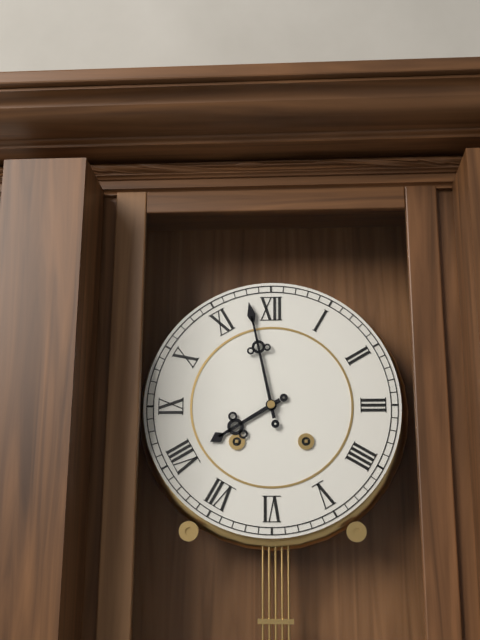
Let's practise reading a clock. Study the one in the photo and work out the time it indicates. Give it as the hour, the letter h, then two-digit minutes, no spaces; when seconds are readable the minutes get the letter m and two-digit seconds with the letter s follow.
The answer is 7h58
